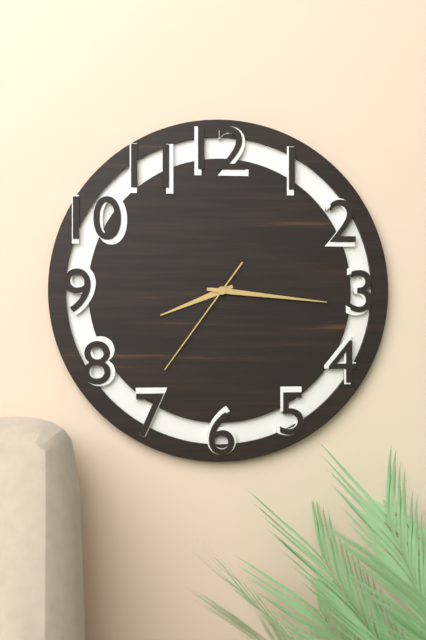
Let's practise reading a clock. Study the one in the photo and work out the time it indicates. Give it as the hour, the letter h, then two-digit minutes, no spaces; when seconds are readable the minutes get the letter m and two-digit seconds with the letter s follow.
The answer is 8h16m36s
